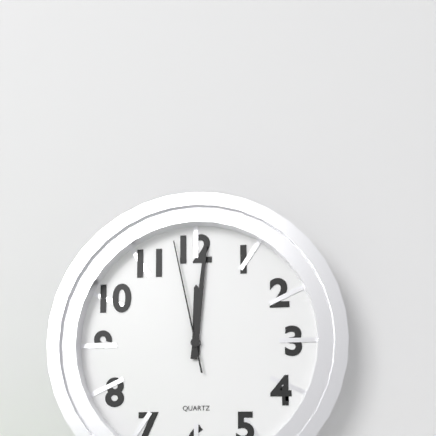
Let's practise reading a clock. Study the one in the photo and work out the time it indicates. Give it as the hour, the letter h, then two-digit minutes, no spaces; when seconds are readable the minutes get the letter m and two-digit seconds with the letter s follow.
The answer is 12h01m58s
